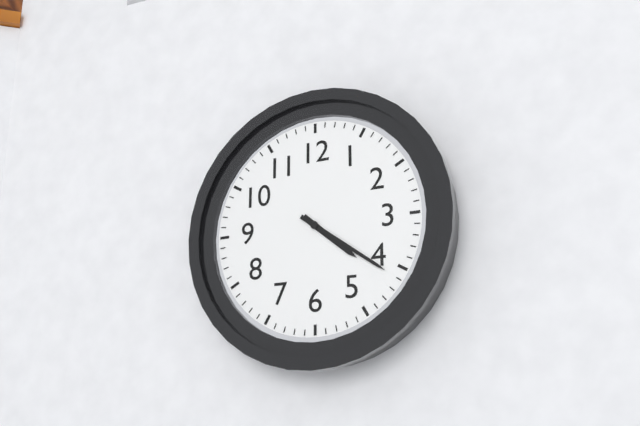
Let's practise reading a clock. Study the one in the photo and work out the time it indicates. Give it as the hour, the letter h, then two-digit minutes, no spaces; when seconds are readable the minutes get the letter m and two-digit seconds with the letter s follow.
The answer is 4h21
